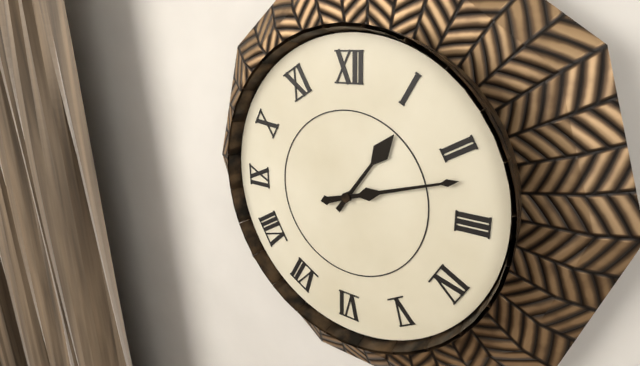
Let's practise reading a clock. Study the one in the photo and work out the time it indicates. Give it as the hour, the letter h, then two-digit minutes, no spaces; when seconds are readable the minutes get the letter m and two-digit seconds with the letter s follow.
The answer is 1h12
